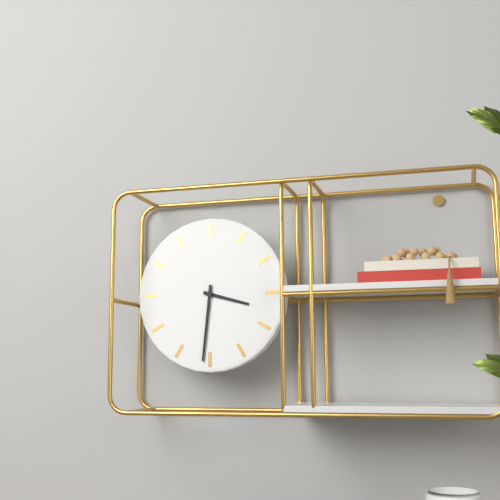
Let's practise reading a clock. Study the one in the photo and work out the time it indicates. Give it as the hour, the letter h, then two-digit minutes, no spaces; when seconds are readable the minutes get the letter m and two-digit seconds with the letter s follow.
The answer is 3h31
